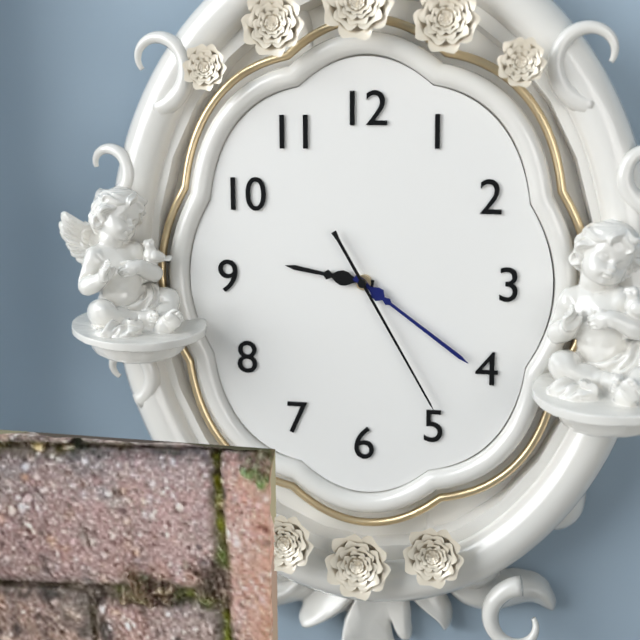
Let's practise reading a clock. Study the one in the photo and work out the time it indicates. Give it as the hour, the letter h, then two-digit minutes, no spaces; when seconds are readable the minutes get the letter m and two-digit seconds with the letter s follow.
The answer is 9h21m25s
